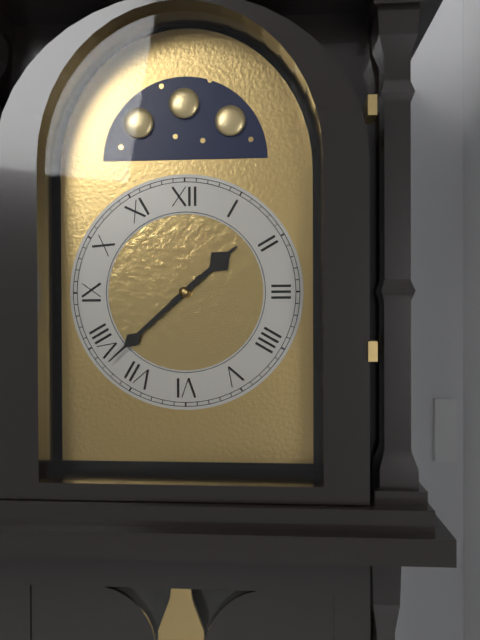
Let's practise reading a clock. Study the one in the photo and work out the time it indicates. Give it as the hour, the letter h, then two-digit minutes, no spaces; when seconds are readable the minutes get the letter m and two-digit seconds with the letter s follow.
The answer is 1h38
